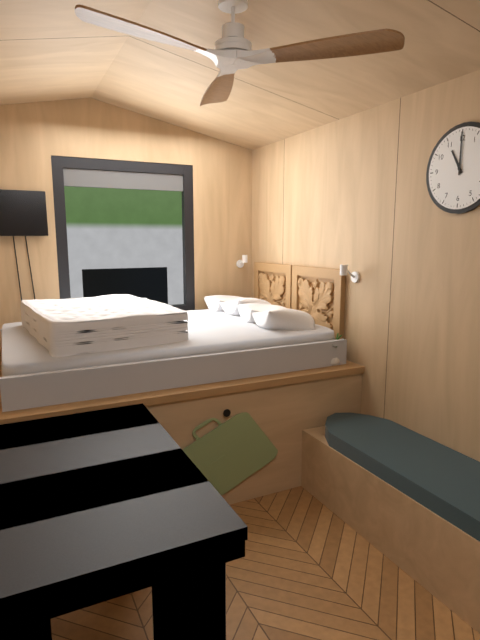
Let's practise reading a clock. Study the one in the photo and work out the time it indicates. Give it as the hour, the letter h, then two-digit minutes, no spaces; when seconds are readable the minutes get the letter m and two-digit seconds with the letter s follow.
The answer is 11h00
